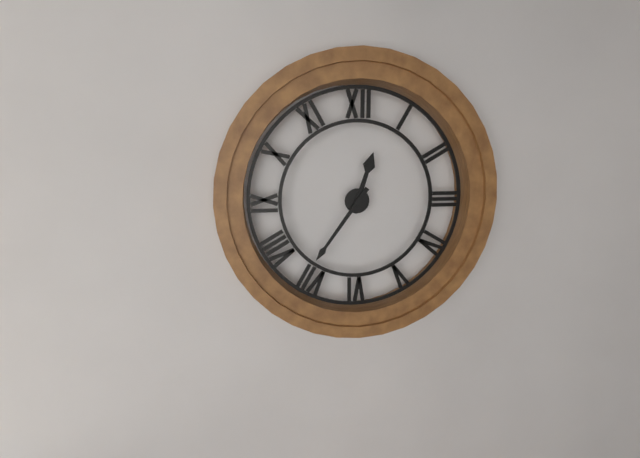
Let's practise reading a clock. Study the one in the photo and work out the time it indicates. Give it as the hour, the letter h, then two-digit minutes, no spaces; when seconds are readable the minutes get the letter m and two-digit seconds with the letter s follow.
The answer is 12h36
